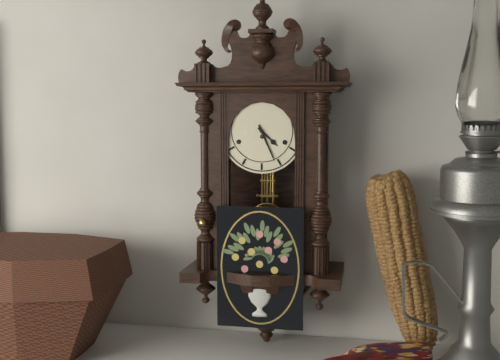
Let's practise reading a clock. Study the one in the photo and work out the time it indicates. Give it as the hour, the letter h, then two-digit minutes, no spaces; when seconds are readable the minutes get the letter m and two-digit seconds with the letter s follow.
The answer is 4h26
